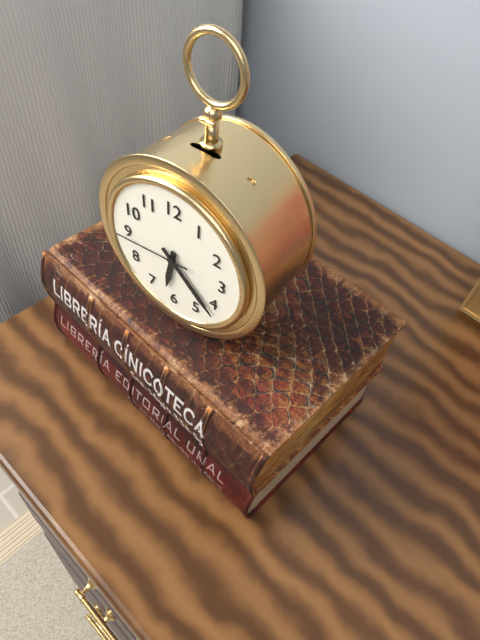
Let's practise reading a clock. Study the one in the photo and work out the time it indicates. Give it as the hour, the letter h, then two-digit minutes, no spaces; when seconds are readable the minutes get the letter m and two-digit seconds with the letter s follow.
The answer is 6h22m44s
